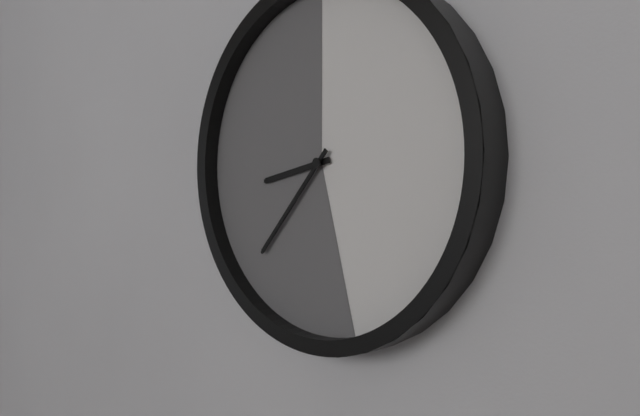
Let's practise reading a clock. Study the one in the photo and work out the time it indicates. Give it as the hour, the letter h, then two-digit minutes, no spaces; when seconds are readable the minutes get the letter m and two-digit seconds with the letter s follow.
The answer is 8h37
